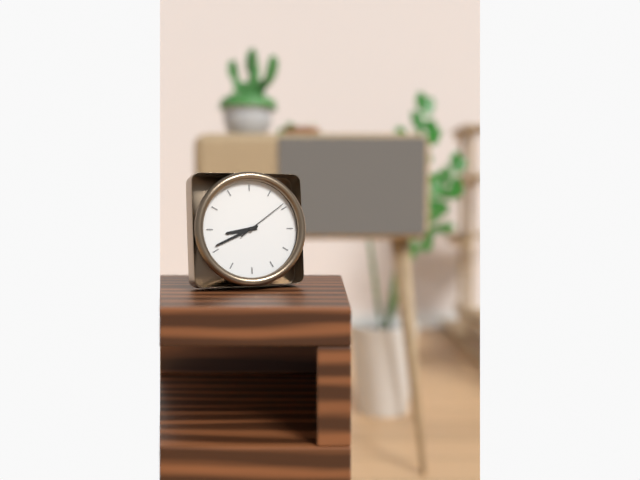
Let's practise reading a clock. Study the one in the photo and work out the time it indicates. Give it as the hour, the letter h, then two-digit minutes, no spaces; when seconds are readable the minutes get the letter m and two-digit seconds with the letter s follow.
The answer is 8h41m09s
